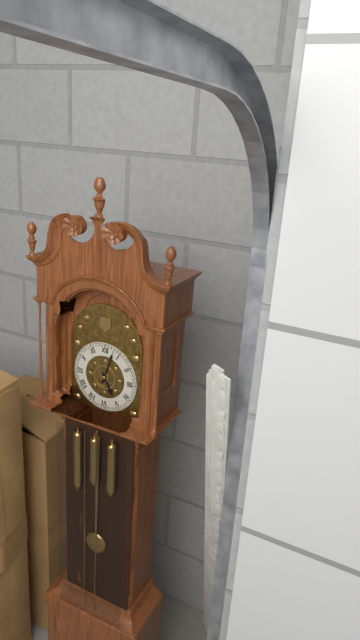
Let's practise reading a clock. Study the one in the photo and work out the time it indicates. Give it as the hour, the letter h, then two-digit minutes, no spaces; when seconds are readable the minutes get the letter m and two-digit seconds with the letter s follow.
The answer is 5h03
